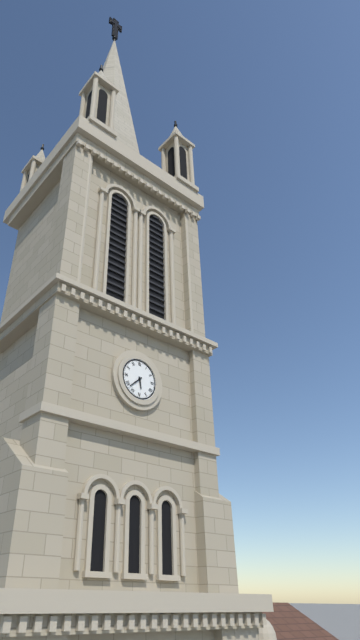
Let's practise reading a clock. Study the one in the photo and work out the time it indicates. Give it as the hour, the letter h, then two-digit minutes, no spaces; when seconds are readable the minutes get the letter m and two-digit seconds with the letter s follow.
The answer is 5h38
